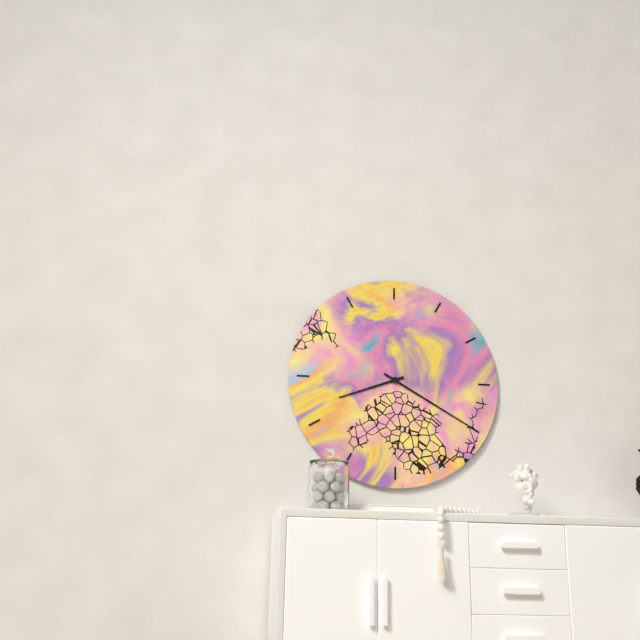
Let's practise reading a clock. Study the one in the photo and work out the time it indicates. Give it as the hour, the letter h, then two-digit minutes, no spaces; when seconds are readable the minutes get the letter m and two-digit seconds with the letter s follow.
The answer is 8h20
